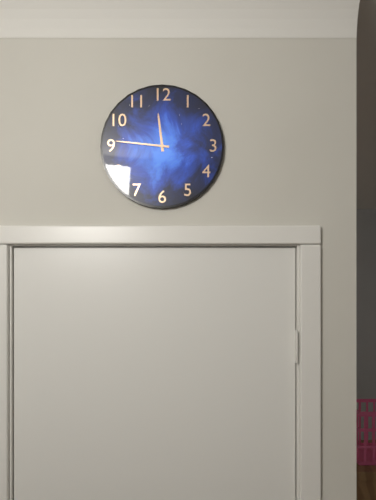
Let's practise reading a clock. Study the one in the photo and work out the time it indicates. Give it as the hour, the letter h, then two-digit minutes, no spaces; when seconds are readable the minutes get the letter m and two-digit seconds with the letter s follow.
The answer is 11h46
